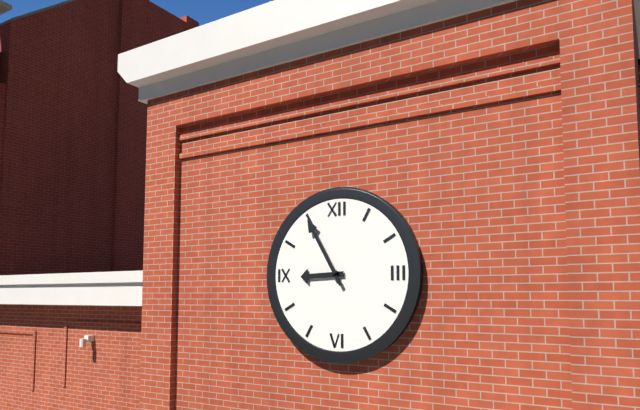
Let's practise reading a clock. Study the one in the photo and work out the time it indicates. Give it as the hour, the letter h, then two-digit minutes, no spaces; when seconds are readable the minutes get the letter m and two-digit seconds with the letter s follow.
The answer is 8h55
